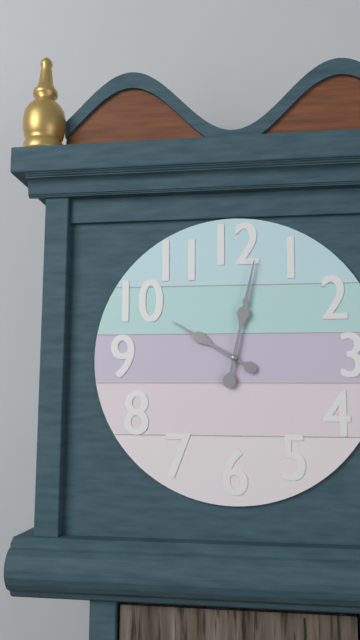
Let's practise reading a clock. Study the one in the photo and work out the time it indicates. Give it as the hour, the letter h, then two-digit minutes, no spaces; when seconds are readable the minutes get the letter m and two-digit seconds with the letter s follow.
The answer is 10h02
